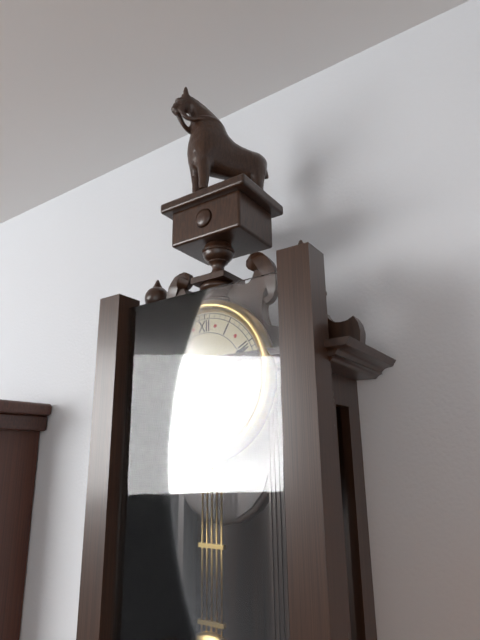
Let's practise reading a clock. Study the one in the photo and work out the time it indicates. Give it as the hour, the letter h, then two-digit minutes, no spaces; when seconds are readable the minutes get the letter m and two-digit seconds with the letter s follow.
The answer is 8h11
